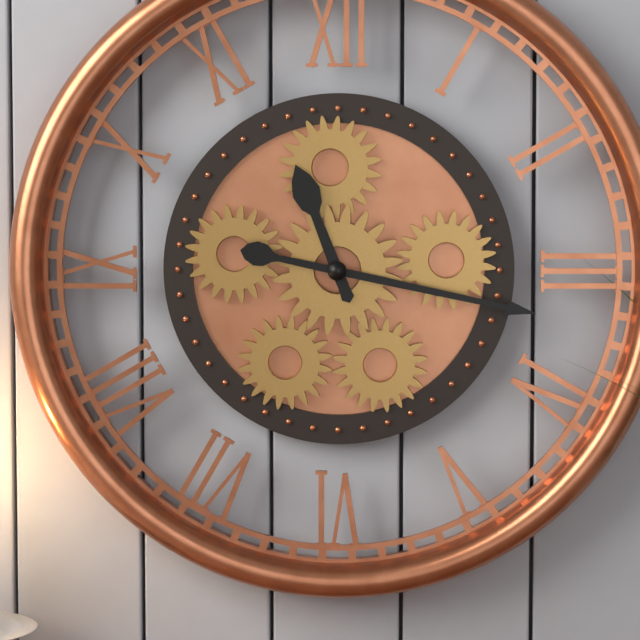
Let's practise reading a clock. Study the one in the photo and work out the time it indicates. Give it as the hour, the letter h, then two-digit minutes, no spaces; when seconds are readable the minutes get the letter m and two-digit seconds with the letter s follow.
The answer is 11h17
